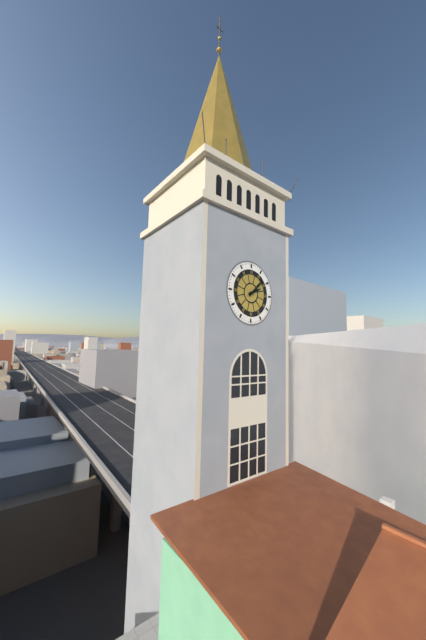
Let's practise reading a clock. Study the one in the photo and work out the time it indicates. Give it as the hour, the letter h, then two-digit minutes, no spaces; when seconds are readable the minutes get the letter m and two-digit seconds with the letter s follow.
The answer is 2h08
